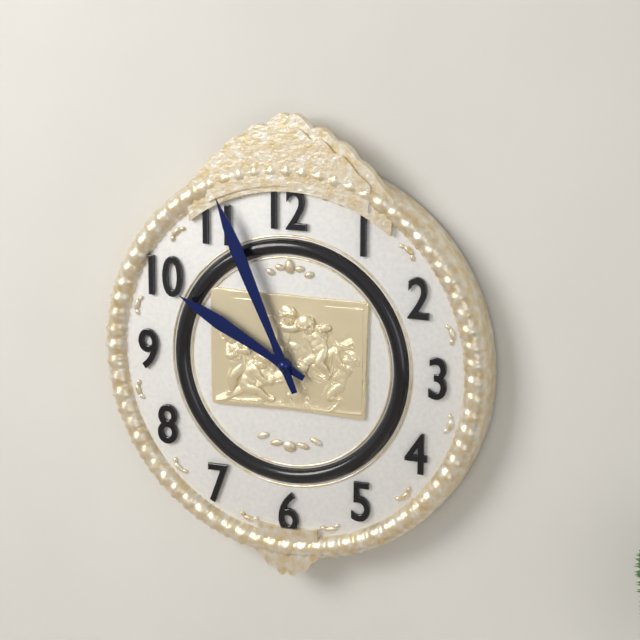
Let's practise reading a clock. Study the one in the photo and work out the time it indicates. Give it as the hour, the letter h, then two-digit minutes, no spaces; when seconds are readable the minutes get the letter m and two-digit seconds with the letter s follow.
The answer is 9h56
